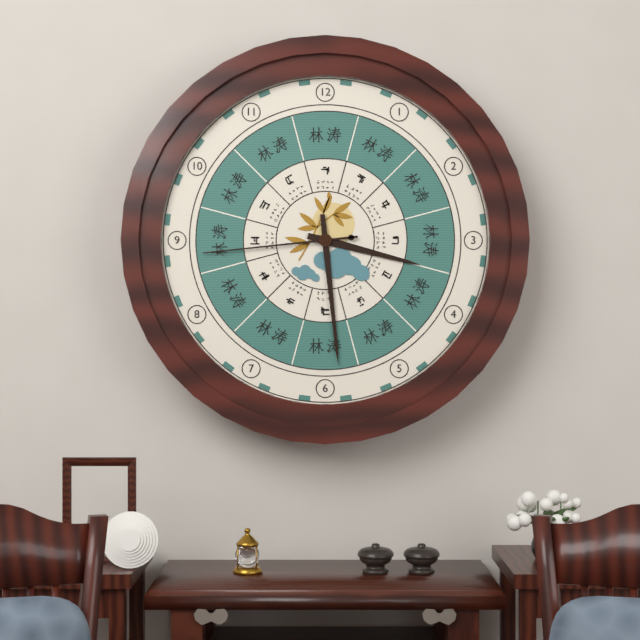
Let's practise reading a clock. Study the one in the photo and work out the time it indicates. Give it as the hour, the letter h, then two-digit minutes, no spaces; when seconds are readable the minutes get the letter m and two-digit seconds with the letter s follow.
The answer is 3h29m44s
